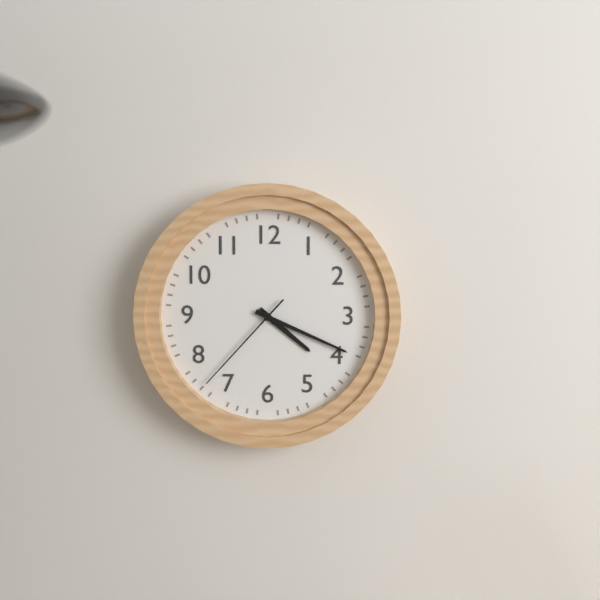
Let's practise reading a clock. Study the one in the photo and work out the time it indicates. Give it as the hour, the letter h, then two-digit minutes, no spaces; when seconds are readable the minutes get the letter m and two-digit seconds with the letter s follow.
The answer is 4h19m37s
